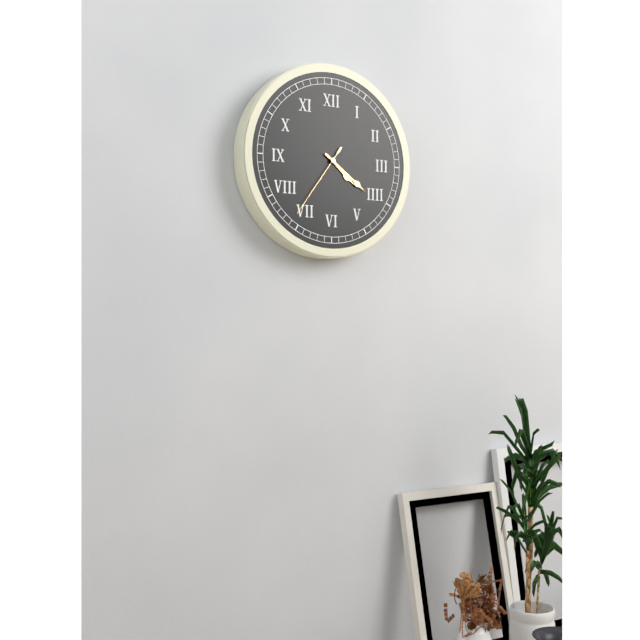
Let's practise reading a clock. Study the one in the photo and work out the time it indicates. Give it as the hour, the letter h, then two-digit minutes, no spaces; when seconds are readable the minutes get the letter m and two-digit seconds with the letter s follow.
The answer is 4h21m36s
